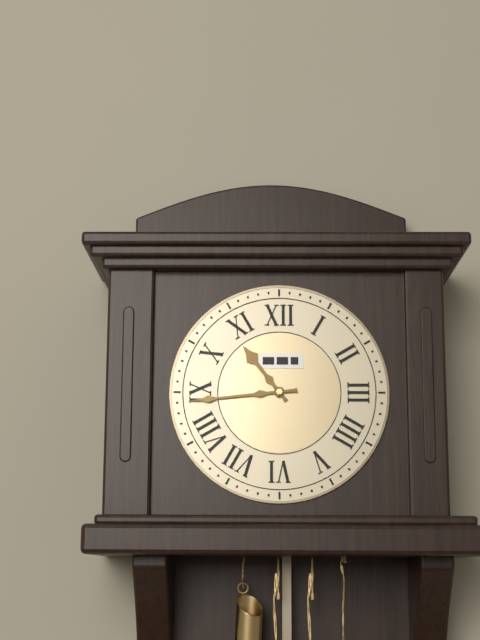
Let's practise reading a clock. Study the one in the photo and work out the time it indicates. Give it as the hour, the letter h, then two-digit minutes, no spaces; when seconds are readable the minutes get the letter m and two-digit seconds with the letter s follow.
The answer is 10h44
